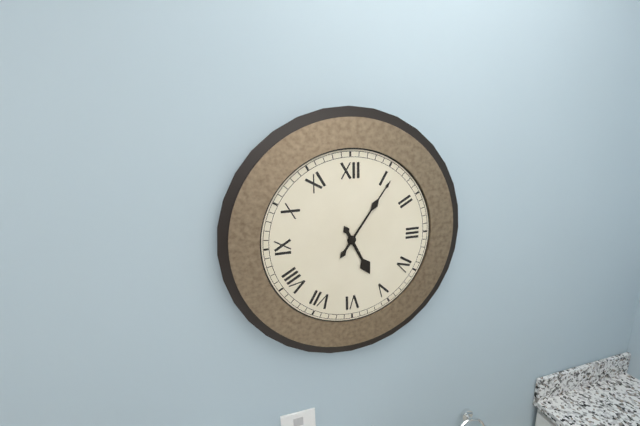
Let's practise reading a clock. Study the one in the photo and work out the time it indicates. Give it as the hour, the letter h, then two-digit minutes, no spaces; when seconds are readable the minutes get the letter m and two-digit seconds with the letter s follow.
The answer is 5h06
